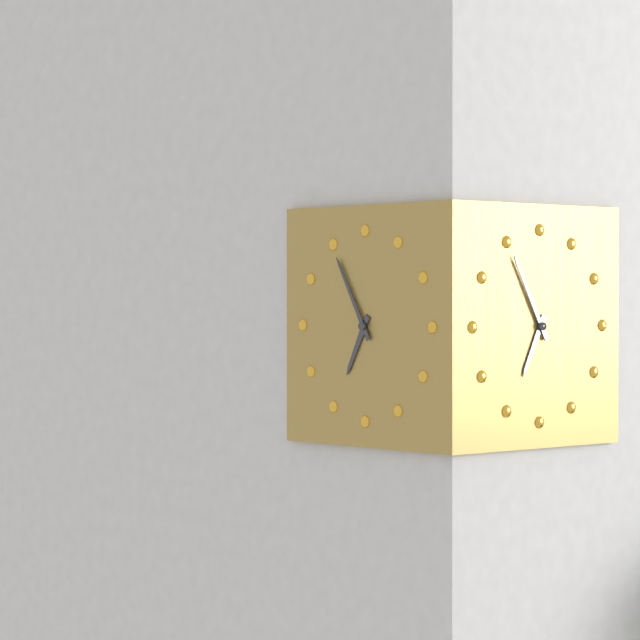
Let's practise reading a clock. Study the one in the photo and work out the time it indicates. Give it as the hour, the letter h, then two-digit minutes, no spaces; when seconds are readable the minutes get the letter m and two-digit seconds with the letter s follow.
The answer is 6h55
